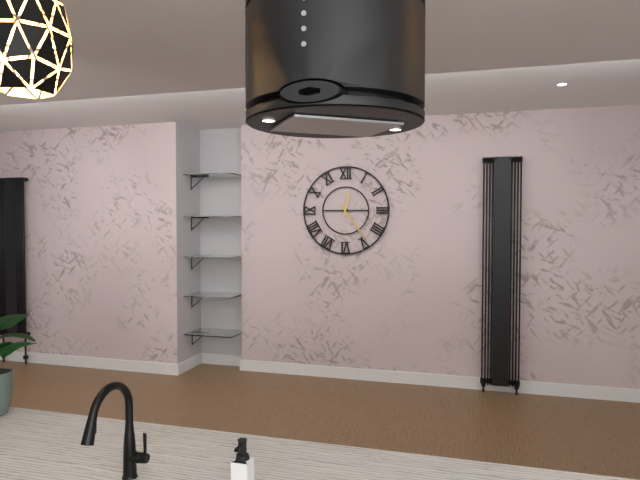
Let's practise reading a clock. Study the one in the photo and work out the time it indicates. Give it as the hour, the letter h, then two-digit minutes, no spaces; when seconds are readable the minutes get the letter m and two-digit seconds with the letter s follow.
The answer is 12h24
